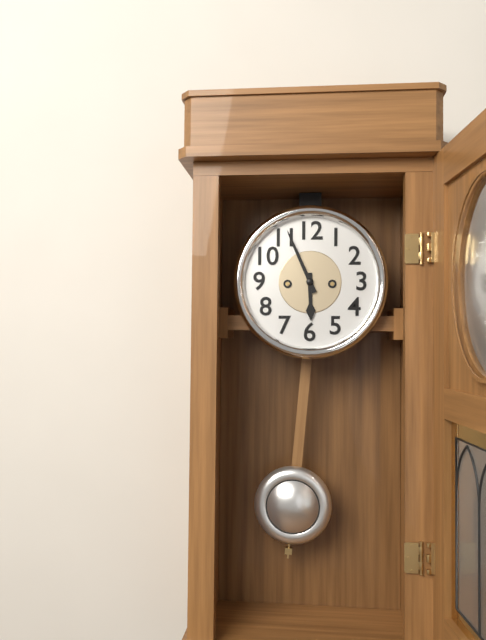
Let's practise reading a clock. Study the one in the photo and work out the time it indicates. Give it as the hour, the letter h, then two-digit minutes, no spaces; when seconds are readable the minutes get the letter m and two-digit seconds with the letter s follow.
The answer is 5h56
